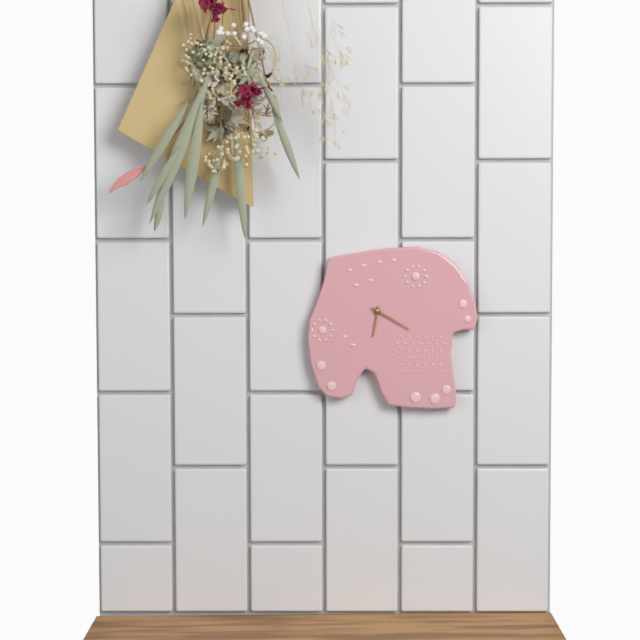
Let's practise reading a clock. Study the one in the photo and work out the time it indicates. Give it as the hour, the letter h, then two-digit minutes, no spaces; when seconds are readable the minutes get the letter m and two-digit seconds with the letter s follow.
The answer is 6h20
